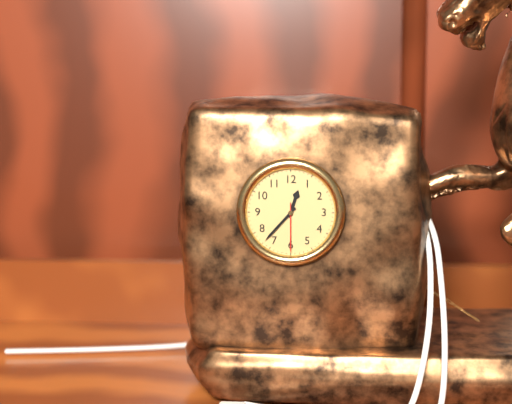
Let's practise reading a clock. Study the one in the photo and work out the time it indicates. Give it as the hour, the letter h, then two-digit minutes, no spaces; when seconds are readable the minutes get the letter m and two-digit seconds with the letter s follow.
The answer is 12h37m30s
